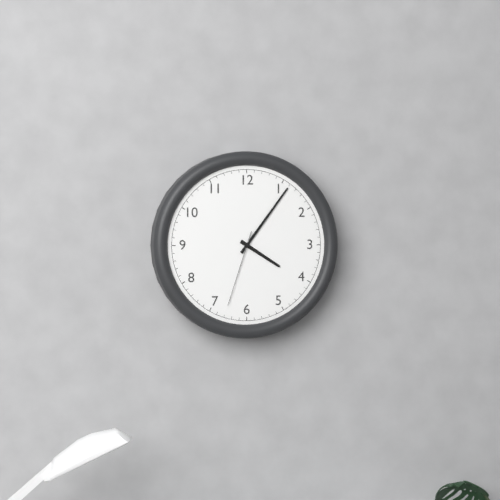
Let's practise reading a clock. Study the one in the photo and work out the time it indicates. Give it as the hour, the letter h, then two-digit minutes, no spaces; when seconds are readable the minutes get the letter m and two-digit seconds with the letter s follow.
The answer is 4h06m33s
